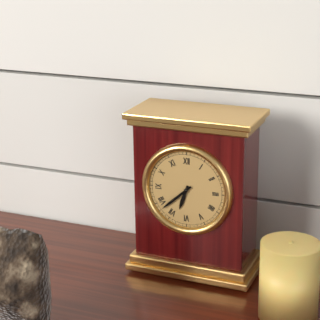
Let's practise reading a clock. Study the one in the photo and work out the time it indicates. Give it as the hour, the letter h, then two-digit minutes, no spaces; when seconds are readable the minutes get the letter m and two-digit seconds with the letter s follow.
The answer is 6h38
